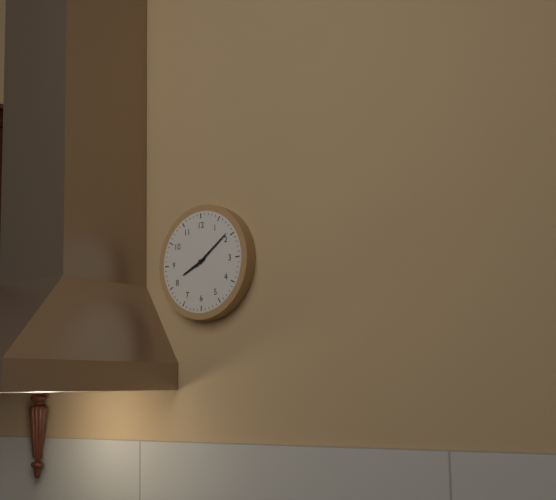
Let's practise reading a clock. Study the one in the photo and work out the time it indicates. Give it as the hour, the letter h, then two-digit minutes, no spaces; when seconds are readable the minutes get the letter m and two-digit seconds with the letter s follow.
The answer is 8h09
